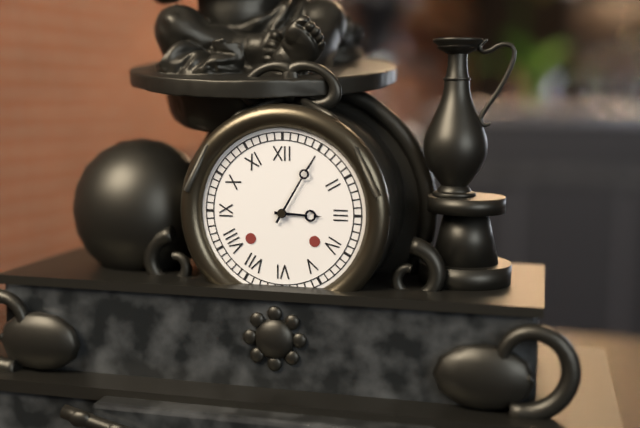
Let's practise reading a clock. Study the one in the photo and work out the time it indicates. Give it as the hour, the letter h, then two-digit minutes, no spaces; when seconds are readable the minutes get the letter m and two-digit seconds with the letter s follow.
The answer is 3h05
